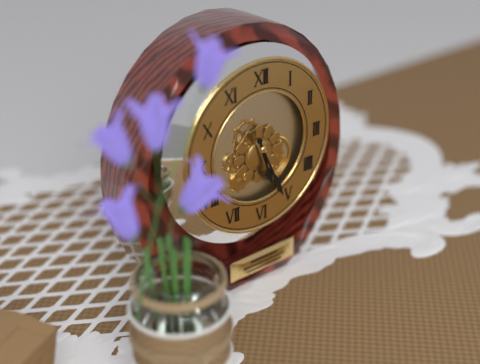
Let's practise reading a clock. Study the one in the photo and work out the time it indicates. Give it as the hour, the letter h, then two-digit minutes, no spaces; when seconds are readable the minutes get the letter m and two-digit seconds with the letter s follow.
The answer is 5h26
